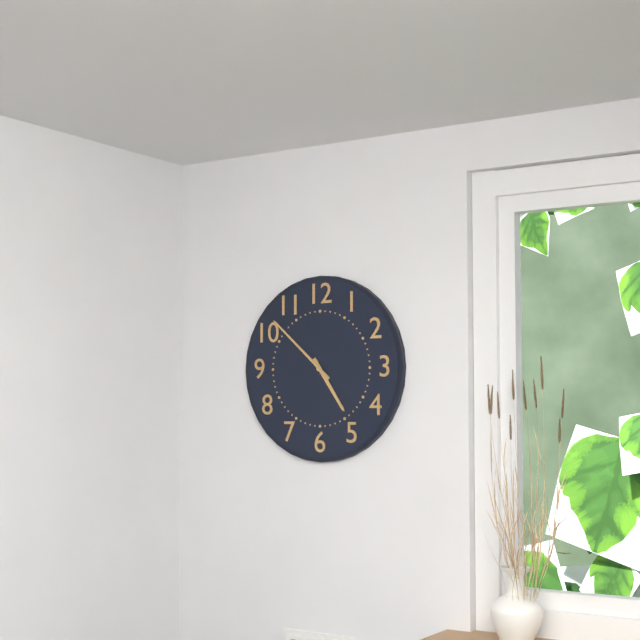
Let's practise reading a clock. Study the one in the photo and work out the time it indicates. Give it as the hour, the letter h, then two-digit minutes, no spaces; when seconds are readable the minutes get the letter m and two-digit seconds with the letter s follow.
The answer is 4h52
